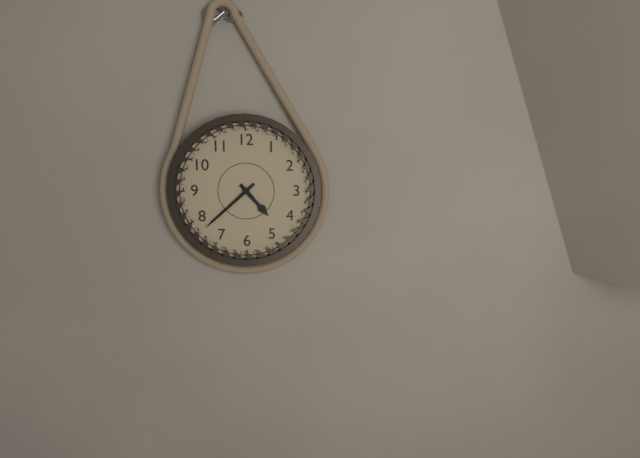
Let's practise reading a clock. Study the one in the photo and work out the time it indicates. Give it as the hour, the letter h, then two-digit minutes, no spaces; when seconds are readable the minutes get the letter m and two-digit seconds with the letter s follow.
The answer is 4h38
